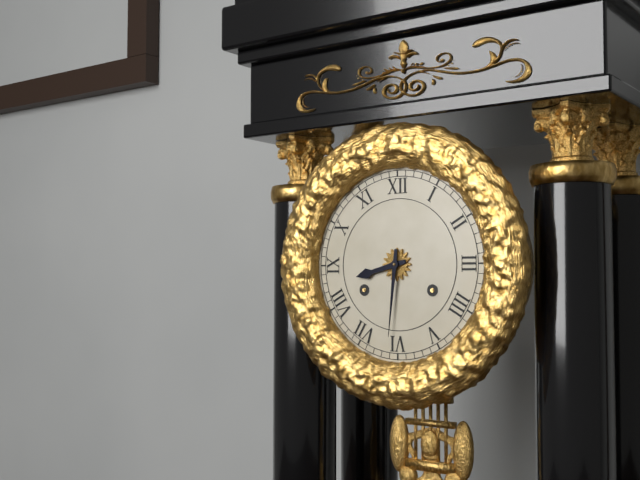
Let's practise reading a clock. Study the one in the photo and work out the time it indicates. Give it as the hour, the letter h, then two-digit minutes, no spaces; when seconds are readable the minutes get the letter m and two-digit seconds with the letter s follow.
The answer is 8h31
